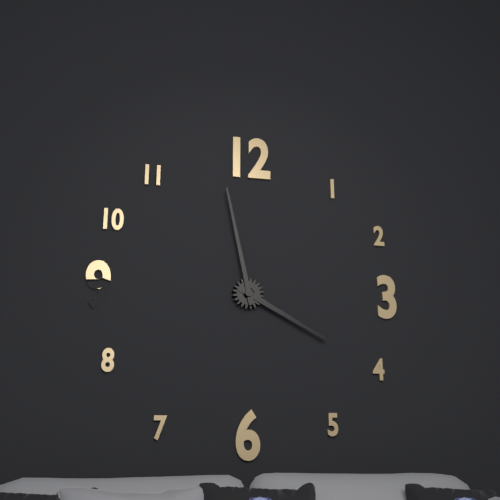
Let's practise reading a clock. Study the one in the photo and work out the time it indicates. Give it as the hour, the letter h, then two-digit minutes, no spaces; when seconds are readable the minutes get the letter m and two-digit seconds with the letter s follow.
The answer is 3h58
